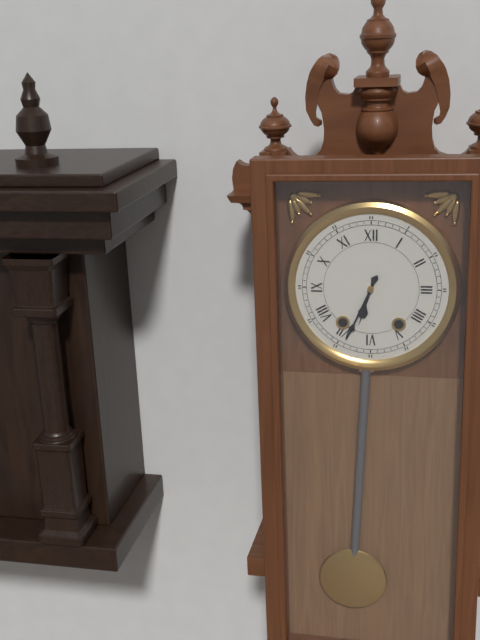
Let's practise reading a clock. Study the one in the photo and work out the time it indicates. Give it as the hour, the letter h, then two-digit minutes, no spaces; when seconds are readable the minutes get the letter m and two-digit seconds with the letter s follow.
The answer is 6h34
